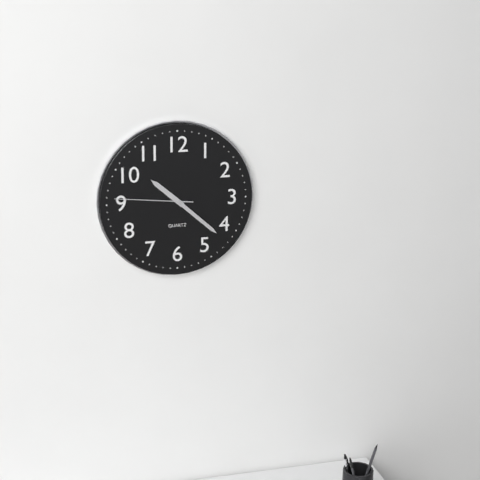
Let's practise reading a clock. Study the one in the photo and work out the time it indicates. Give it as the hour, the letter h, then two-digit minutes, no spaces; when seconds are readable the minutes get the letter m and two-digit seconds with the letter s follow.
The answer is 10h22m46s
